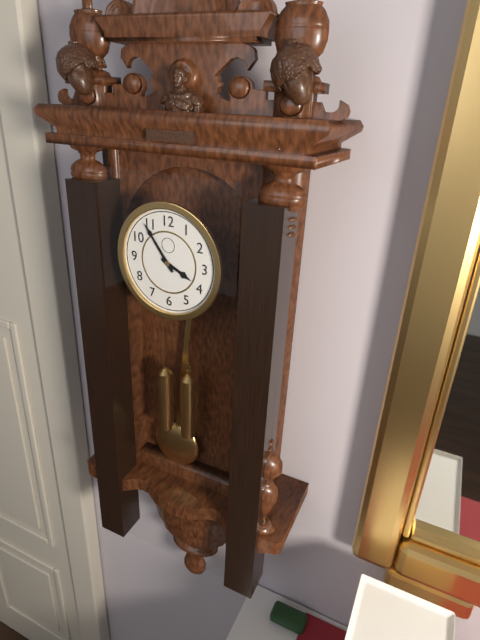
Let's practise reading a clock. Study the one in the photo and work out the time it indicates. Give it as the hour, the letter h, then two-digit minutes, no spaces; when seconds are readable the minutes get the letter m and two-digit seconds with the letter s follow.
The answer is 3h54
